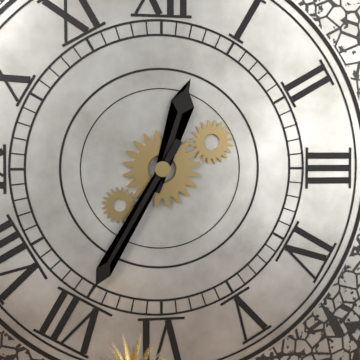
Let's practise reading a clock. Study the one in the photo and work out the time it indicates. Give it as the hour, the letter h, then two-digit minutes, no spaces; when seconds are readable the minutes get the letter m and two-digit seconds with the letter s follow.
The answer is 12h35
